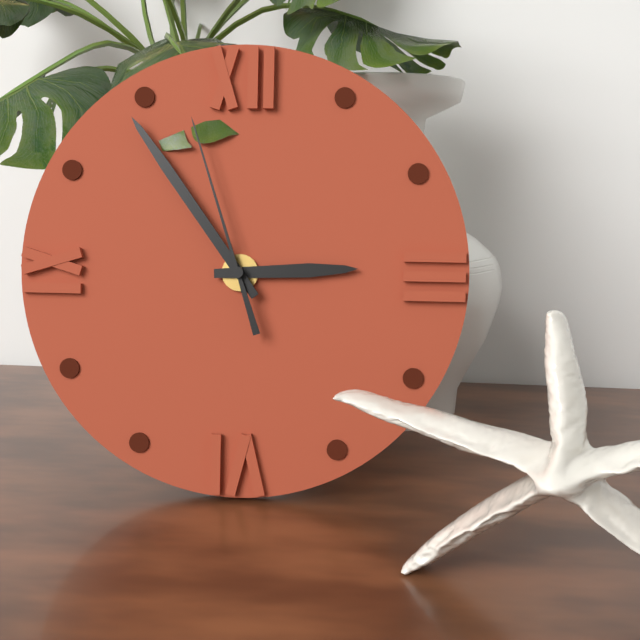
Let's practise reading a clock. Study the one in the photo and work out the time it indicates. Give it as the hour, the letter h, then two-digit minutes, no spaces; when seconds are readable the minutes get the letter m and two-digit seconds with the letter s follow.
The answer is 2h54m57s
